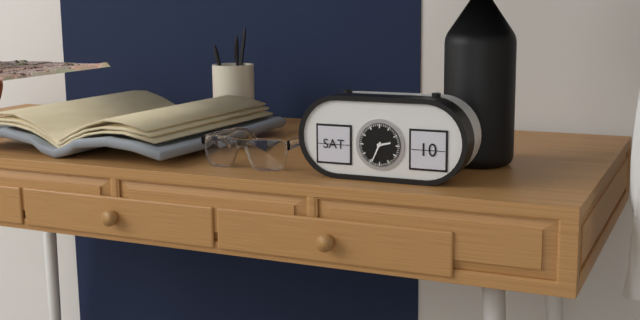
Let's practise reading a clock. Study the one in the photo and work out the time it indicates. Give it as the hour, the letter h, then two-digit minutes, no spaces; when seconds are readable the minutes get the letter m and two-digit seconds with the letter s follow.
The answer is 2h34
